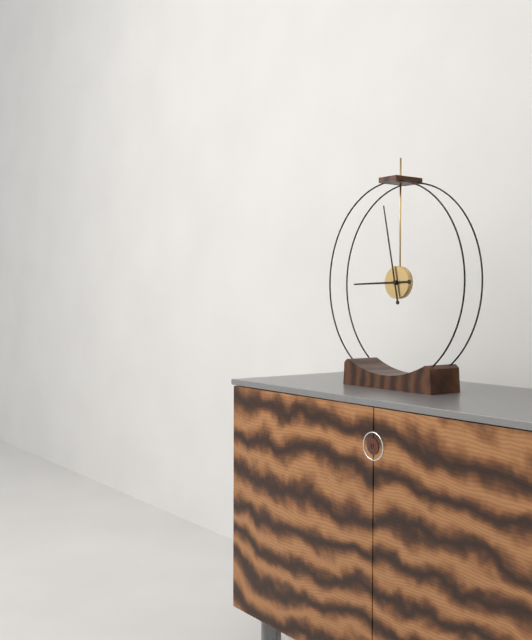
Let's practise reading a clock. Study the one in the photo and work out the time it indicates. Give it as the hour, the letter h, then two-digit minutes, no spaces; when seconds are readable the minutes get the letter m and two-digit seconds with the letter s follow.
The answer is 8h58
